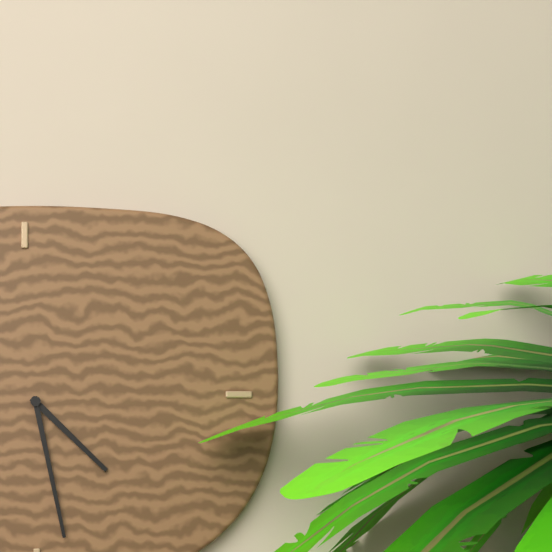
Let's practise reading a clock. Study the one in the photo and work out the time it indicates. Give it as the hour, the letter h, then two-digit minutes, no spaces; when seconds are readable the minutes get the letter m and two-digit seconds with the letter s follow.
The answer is 4h28
